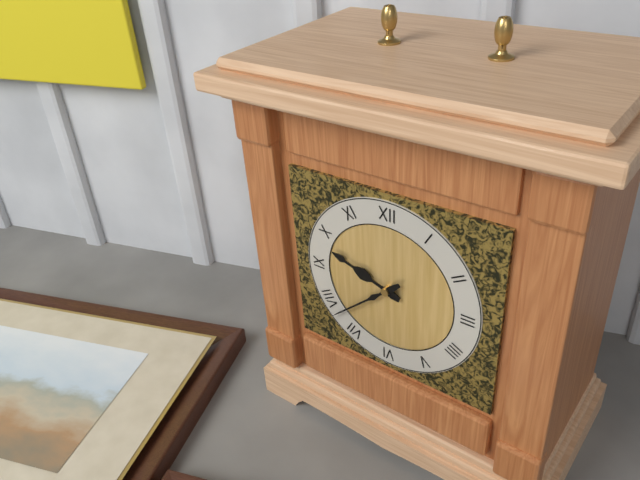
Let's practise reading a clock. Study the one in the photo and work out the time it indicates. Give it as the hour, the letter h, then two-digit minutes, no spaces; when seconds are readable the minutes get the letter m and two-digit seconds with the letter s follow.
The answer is 9h38
